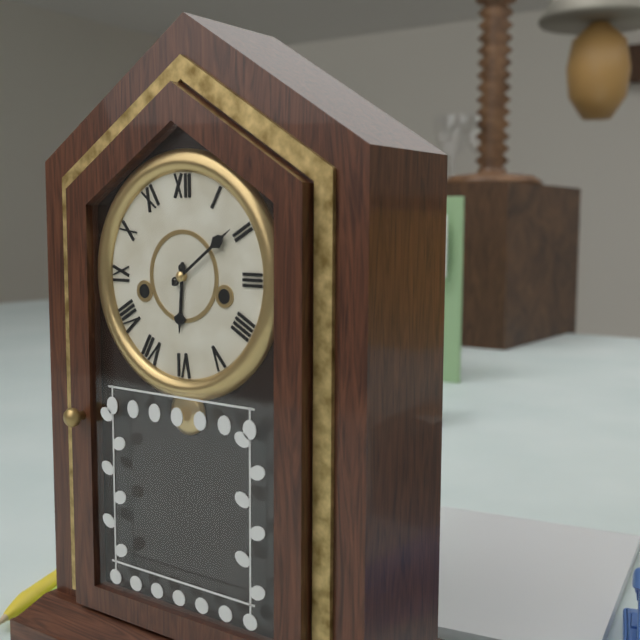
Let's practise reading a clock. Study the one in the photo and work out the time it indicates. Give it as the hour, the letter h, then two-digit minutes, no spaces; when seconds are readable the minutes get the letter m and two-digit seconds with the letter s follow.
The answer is 6h09
